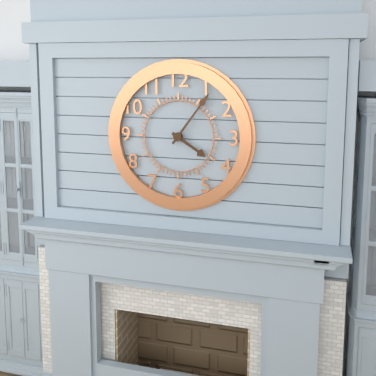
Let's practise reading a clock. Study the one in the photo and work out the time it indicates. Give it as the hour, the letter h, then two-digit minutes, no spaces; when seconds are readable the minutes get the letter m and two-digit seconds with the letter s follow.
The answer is 4h06
